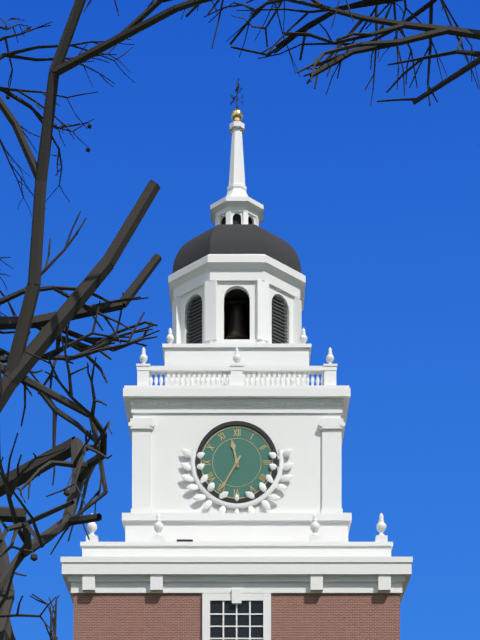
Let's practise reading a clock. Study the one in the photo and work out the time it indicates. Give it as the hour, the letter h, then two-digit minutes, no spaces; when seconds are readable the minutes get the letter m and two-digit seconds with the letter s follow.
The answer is 11h35
